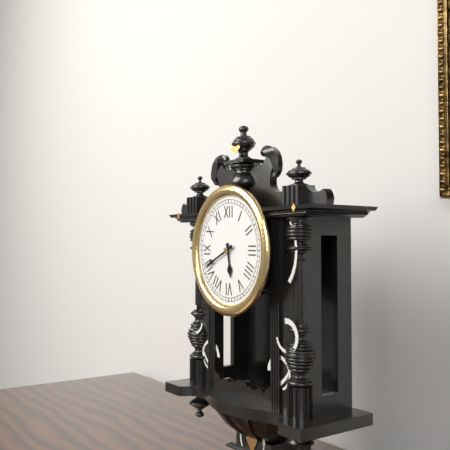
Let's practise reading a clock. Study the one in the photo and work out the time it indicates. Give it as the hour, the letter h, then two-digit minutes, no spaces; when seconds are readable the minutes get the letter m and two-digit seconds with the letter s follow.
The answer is 5h41
